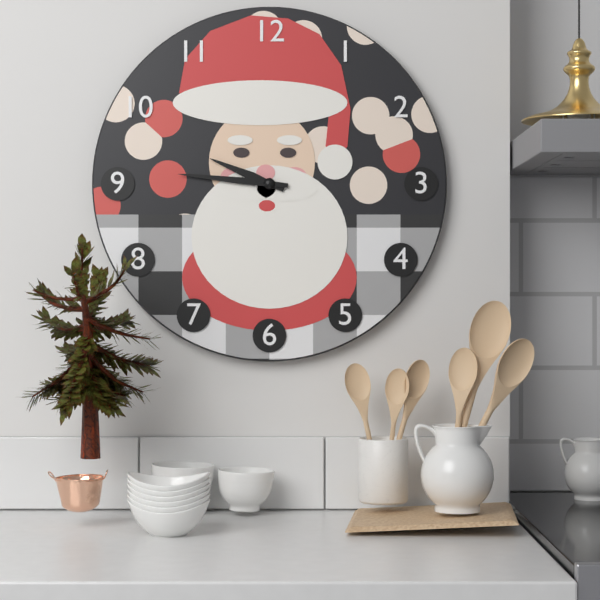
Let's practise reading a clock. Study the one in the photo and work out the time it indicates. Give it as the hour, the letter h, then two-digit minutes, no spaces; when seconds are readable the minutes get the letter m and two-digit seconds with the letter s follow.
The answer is 9h46
